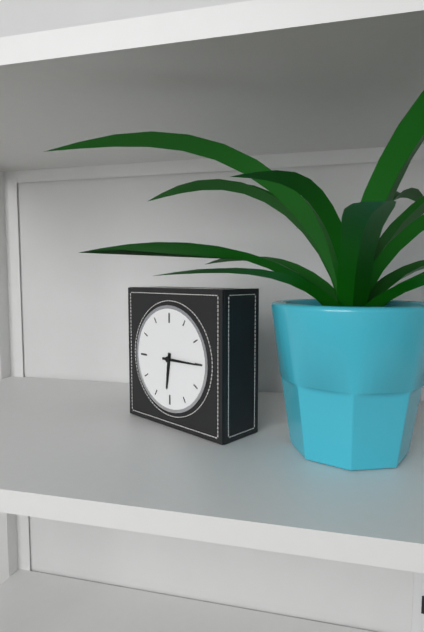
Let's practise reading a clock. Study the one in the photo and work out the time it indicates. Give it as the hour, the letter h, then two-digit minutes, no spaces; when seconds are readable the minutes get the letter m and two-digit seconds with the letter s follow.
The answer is 6h15
